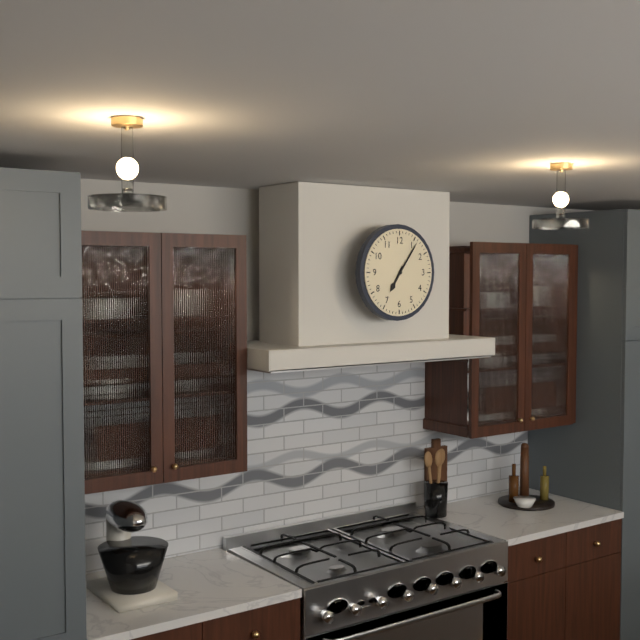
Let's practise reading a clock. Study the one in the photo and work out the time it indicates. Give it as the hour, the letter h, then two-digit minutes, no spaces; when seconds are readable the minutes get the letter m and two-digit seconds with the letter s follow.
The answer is 7h06
